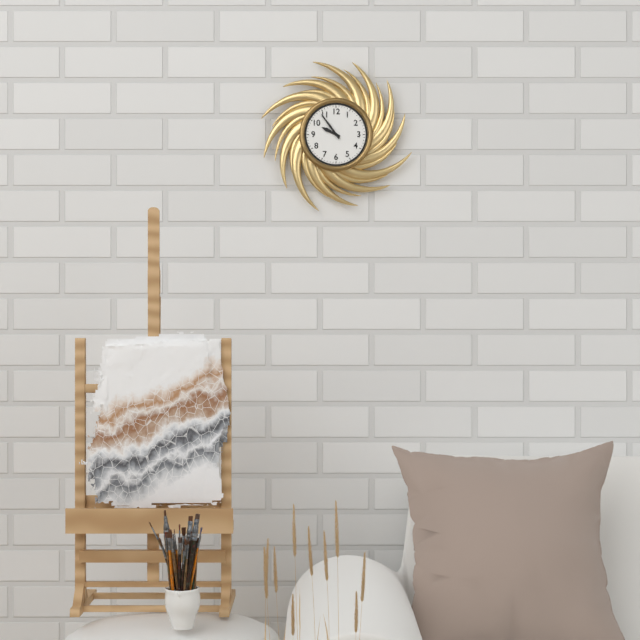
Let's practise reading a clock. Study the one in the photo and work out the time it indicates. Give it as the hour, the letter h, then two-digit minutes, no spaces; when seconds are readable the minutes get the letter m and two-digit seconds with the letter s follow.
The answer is 9h54
